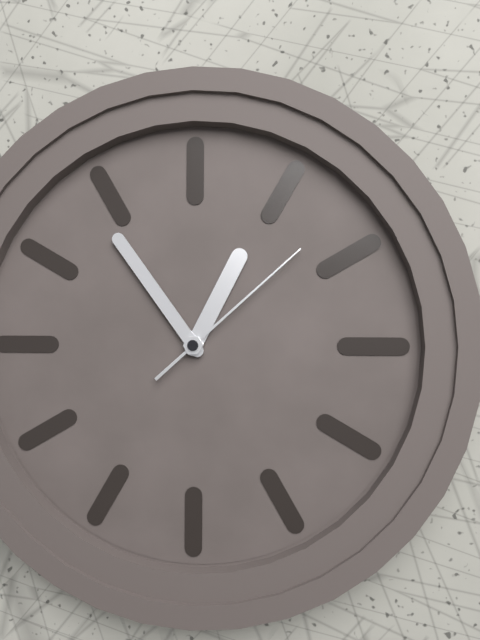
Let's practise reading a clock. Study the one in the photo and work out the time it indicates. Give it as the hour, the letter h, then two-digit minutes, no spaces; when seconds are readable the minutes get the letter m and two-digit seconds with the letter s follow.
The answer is 12h54m08s
